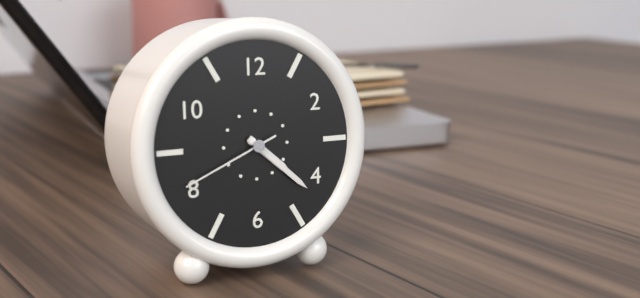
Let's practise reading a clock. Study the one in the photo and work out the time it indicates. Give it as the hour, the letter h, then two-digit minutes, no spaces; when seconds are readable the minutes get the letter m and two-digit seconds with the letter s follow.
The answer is 4h22m41s
